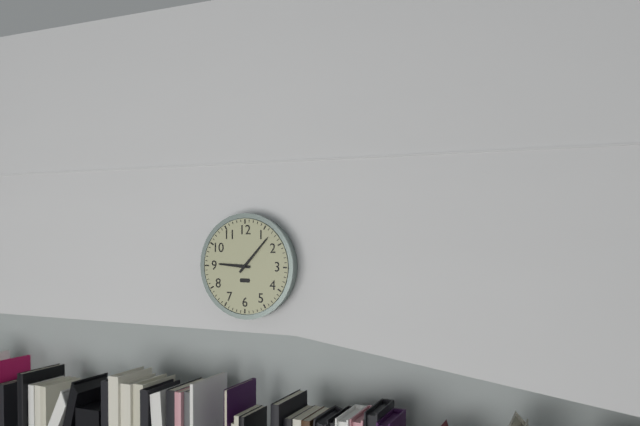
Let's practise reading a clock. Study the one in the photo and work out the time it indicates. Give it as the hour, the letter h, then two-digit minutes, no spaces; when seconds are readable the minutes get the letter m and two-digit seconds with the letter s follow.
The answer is 9h07
